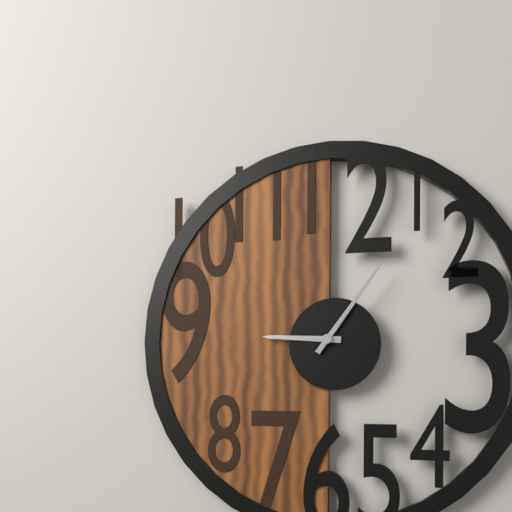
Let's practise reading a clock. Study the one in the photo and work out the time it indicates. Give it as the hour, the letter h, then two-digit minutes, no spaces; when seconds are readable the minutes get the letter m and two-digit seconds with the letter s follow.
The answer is 9h06
